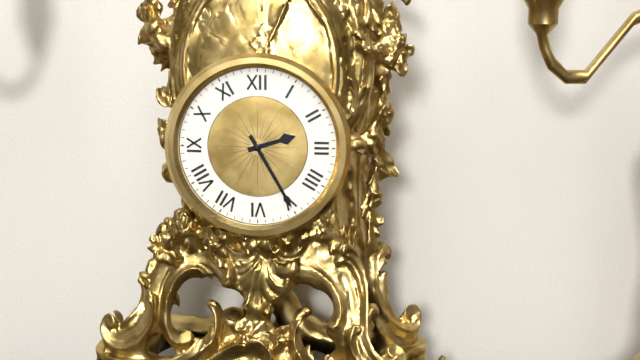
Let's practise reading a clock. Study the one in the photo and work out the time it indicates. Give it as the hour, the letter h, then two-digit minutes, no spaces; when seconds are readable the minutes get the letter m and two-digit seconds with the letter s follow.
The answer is 2h25
